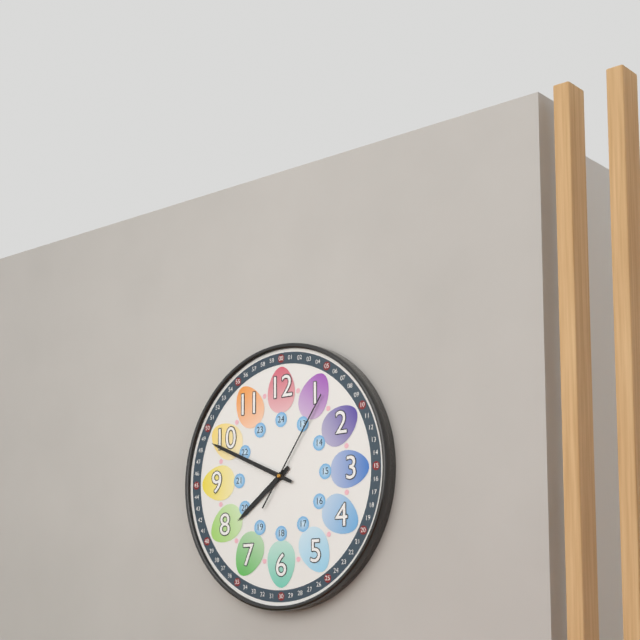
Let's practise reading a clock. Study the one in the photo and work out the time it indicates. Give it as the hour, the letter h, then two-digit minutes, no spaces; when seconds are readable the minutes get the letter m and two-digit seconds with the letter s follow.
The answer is 7h49m06s
